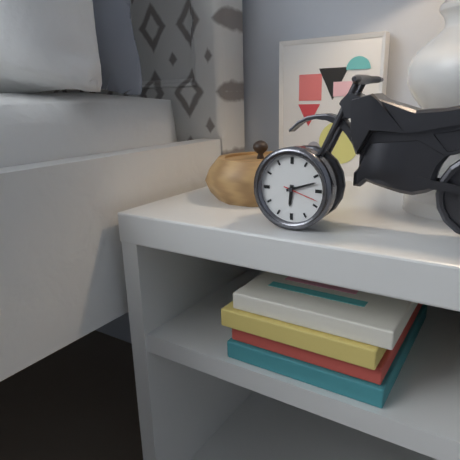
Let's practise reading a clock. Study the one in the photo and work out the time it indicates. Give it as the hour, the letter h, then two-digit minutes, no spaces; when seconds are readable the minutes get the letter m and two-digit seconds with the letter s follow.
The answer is 6h12
